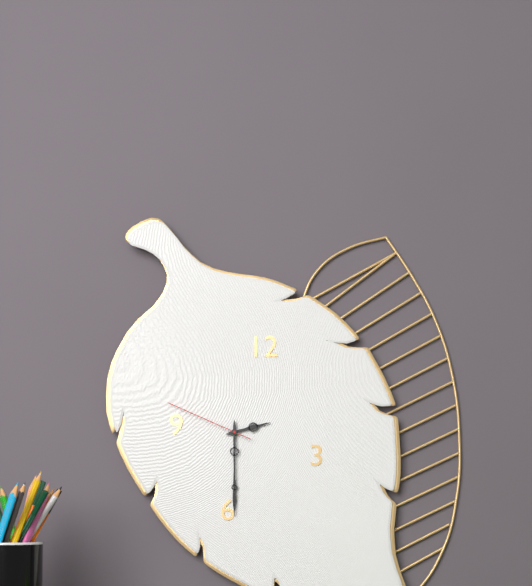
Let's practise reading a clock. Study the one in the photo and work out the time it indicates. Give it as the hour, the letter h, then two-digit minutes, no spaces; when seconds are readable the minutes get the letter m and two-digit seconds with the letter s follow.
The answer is 2h30m49s
